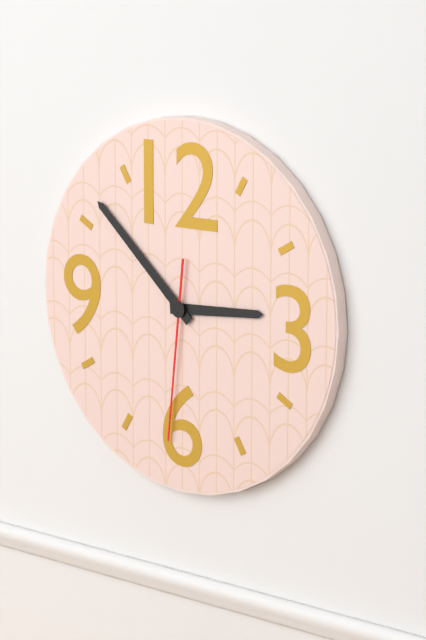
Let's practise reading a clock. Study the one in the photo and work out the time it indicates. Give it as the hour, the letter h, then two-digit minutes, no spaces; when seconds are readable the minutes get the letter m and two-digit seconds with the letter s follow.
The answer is 2h52m31s
